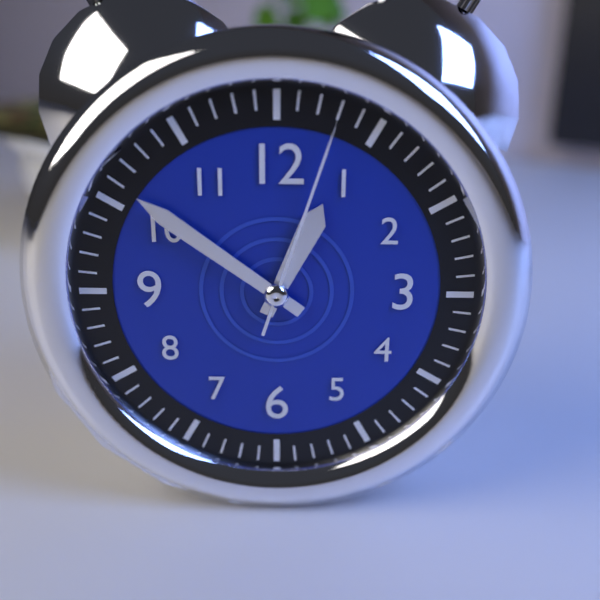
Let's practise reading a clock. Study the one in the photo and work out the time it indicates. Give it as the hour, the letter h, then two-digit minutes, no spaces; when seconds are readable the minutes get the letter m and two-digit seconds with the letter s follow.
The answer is 12h51m03s
